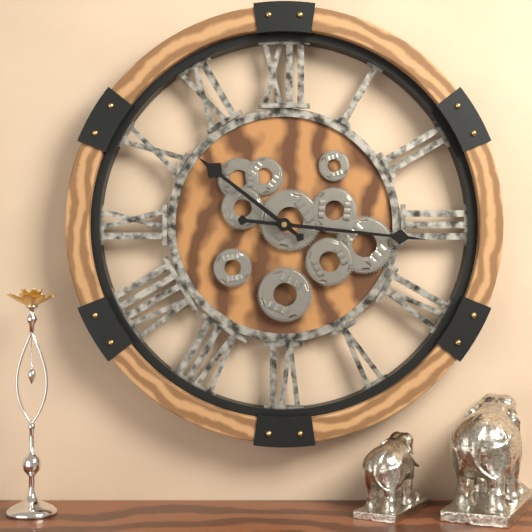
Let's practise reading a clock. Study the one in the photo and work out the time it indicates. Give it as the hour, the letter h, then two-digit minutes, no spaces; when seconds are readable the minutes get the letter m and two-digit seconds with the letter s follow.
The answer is 10h16
